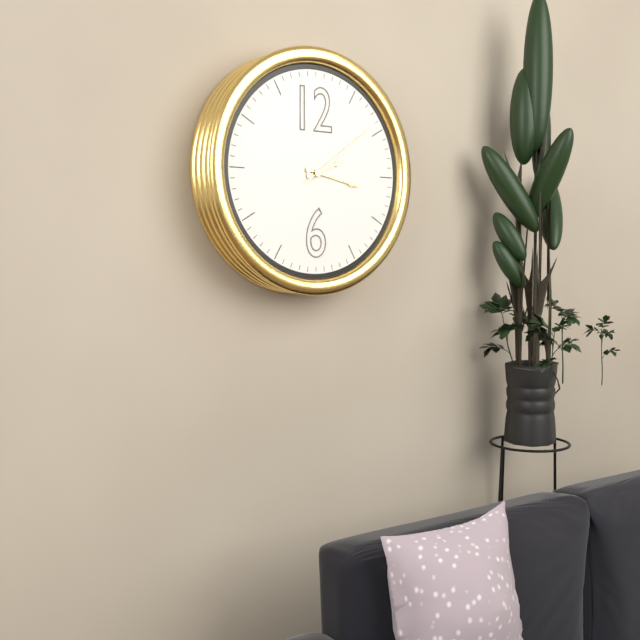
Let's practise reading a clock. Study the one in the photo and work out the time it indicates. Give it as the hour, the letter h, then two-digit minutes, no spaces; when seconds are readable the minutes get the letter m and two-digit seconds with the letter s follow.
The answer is 2h17m09s
